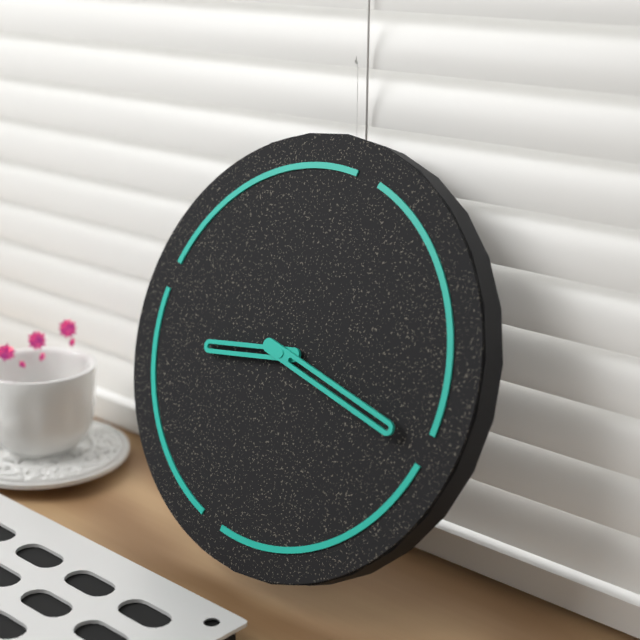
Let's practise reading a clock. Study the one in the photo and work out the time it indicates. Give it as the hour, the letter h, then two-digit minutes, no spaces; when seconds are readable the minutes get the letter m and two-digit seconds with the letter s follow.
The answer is 8h15
